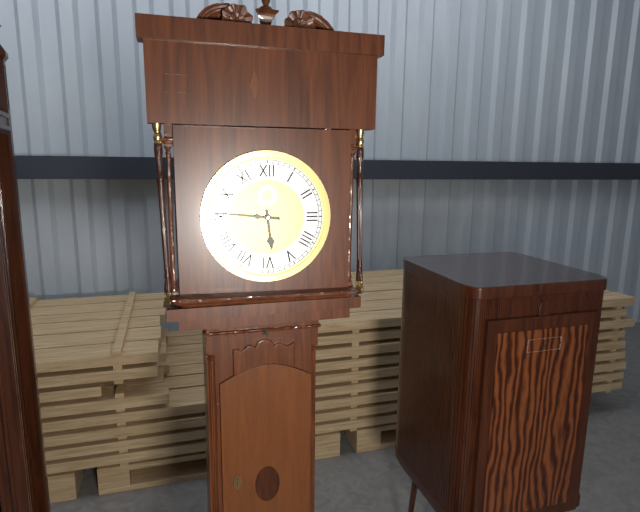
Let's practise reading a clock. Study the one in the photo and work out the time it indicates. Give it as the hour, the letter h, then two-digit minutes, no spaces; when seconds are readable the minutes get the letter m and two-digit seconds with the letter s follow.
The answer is 5h46
